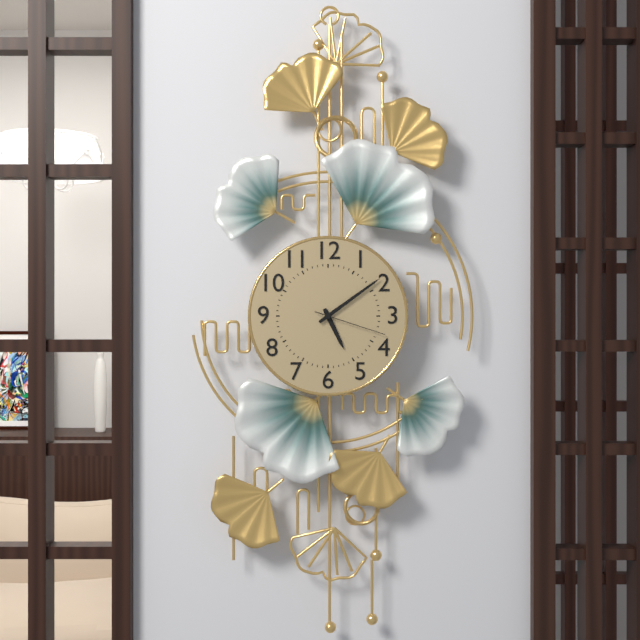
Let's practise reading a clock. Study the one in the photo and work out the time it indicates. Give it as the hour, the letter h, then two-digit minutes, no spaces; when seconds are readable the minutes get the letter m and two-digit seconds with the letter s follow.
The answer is 5h09m18s
